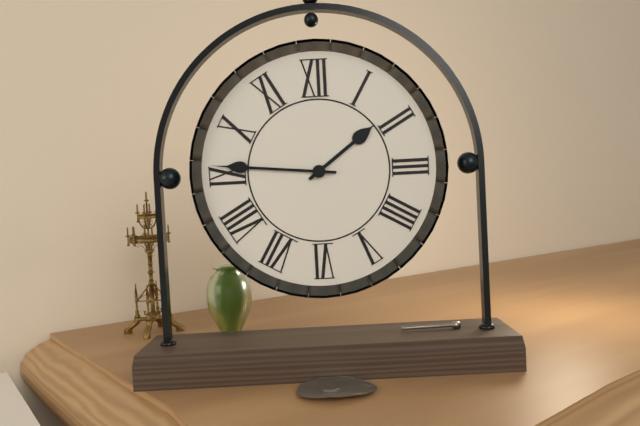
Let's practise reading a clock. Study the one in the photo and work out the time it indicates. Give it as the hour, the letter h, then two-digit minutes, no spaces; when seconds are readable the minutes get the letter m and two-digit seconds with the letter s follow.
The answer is 1h46
